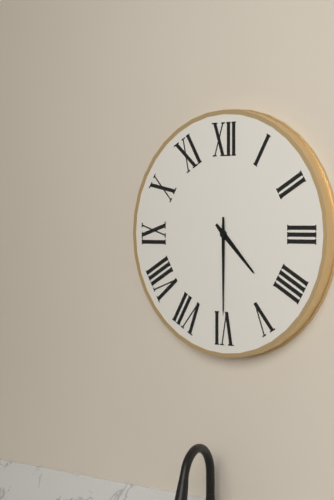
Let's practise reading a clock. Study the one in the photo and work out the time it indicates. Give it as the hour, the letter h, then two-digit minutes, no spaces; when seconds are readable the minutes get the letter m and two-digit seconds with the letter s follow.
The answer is 4h30
